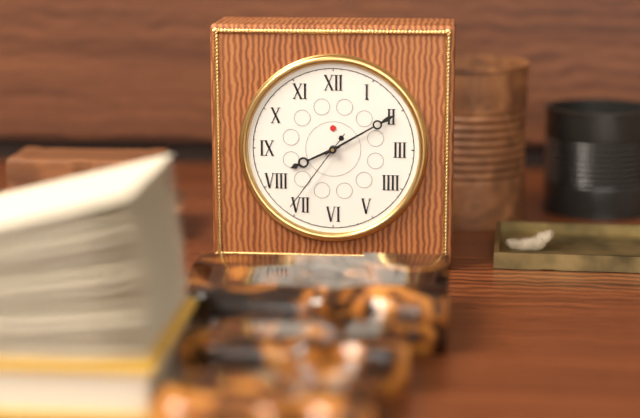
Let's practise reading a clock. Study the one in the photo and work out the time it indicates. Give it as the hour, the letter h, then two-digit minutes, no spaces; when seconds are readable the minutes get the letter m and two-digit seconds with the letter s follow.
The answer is 8h10m36s
